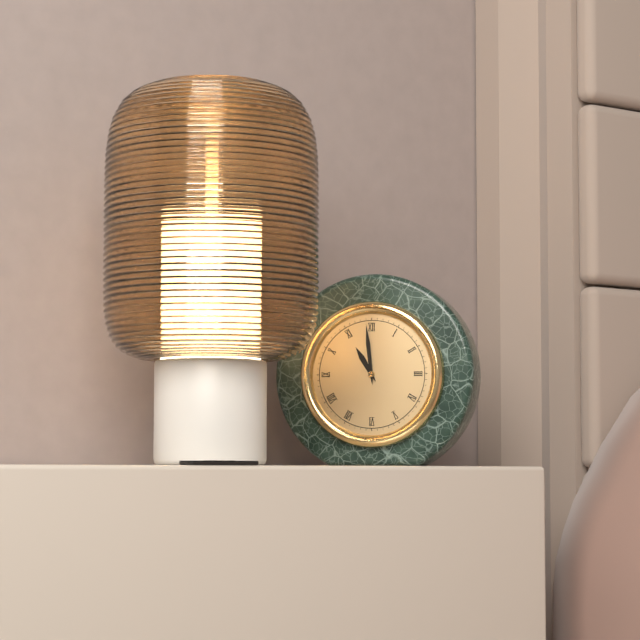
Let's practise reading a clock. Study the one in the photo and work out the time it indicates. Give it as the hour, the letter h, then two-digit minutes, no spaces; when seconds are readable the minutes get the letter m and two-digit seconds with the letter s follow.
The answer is 10h59
